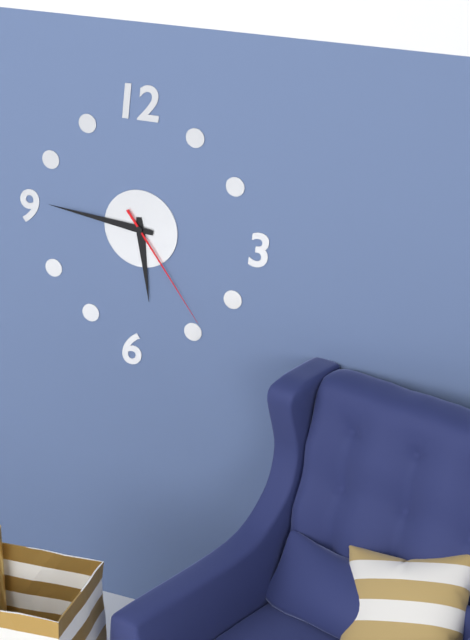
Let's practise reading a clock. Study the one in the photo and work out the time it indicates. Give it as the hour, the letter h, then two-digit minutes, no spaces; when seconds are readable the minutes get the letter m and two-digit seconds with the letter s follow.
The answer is 5h46m24s
